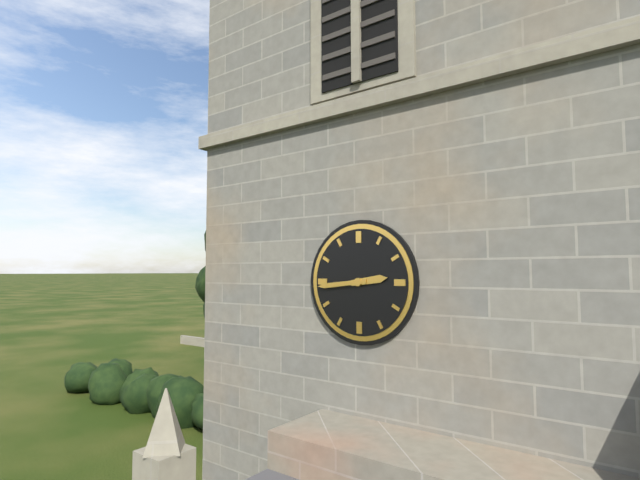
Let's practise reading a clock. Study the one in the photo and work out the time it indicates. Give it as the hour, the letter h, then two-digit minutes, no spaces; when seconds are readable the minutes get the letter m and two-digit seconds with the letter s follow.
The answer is 2h44
